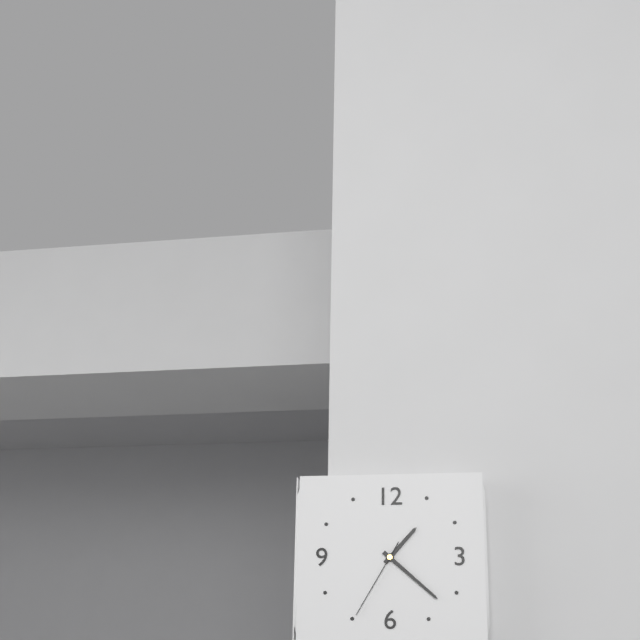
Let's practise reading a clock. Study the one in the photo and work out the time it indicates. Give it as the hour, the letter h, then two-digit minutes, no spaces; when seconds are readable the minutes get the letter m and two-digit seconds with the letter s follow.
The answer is 1h22m35s
